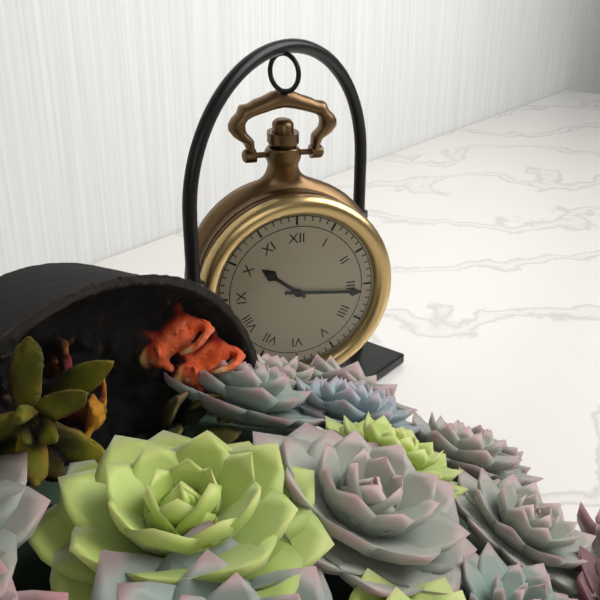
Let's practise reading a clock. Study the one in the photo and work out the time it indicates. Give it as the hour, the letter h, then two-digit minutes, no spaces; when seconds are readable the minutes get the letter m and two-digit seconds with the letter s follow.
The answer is 10h16
